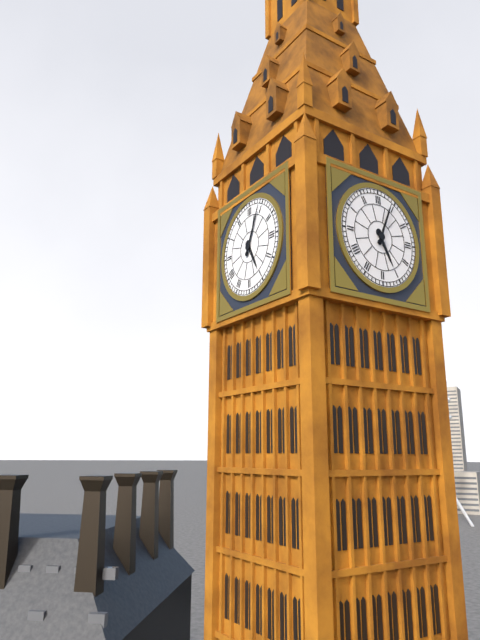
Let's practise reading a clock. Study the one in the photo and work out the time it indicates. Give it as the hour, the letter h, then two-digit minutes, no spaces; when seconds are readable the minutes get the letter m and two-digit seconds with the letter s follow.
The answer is 5h04
